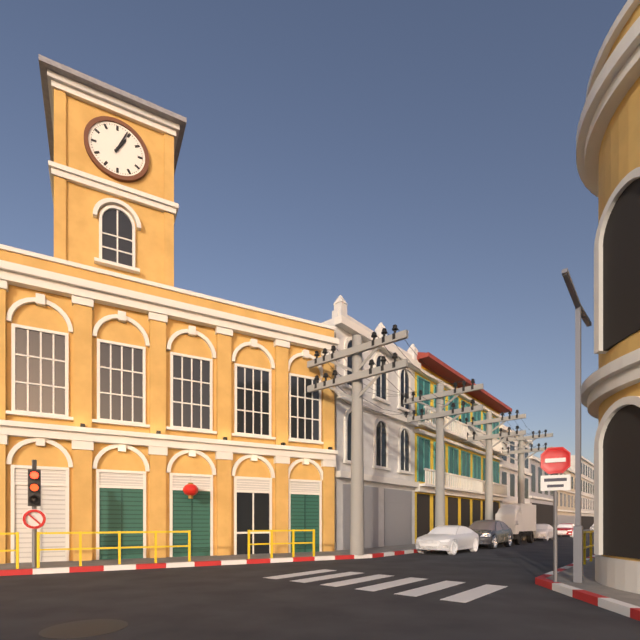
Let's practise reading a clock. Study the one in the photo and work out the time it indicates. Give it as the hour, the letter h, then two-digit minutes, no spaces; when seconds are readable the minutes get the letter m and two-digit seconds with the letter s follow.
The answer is 1h04
